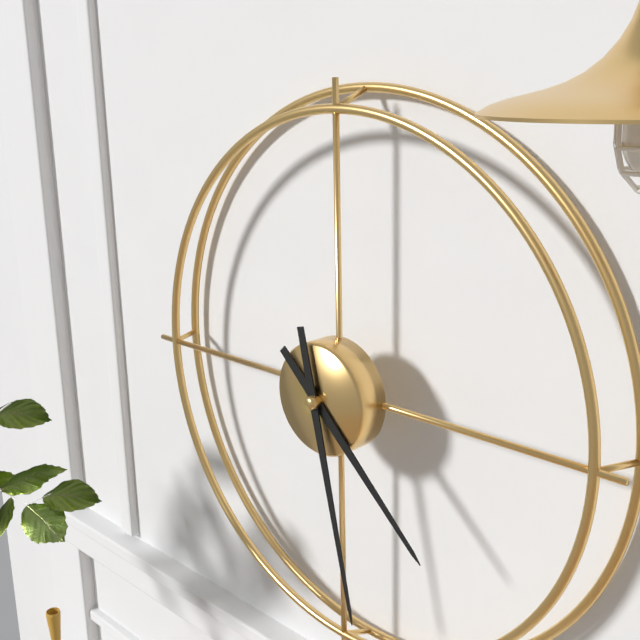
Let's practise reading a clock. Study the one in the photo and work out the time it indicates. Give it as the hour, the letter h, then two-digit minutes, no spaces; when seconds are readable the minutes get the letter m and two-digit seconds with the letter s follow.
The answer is 4h28
